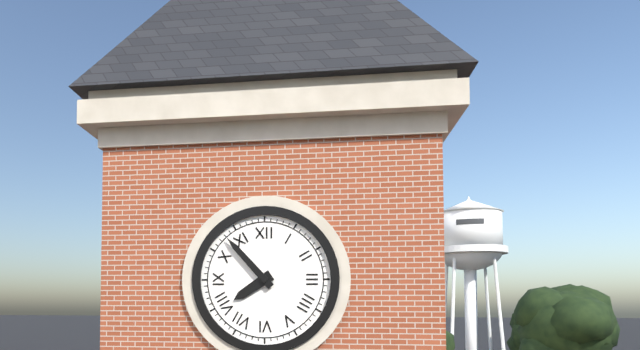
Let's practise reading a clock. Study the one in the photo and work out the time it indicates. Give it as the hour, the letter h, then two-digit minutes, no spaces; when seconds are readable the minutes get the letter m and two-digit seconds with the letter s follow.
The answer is 7h53
